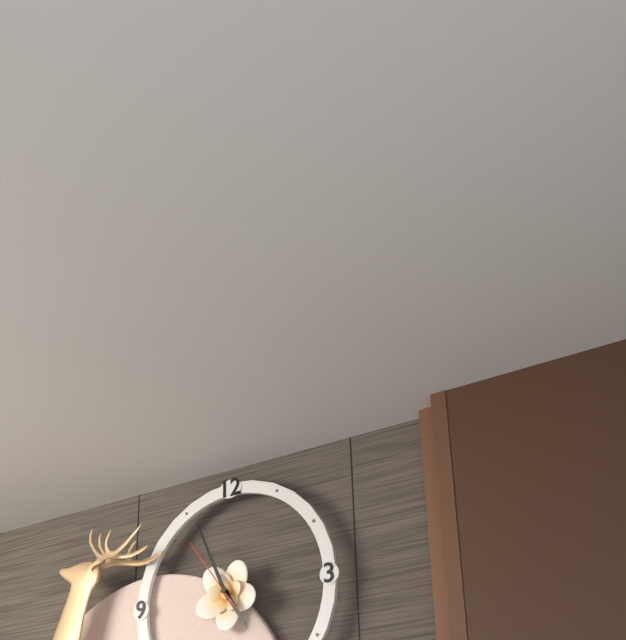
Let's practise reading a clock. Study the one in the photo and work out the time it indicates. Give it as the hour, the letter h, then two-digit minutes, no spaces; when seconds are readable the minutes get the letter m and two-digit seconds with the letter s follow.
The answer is 4h56m54s
